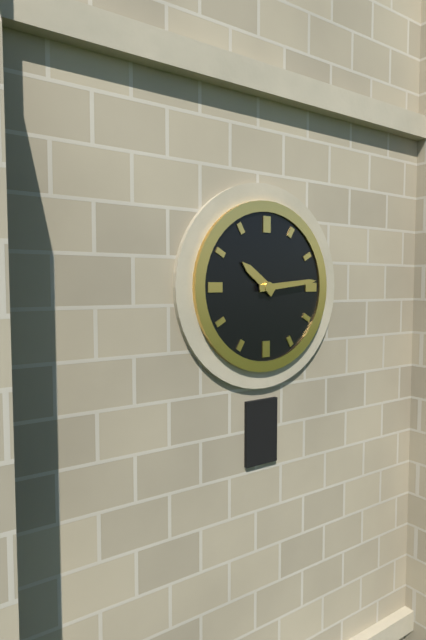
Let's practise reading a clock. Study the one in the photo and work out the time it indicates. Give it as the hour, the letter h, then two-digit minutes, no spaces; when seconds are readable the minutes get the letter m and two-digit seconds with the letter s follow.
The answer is 10h14
